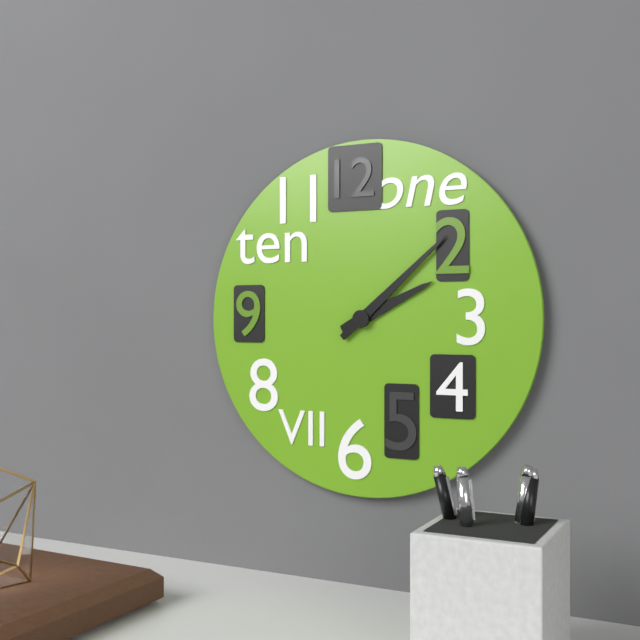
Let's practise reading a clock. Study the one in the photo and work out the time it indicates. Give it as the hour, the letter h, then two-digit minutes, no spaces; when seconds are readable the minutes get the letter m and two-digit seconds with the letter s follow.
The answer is 2h08
